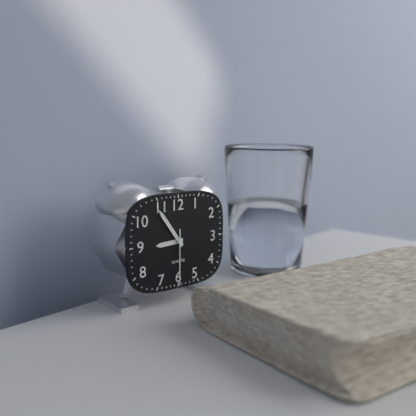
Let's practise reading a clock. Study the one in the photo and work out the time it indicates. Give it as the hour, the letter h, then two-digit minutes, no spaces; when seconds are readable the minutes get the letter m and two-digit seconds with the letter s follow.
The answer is 8h54m30s
